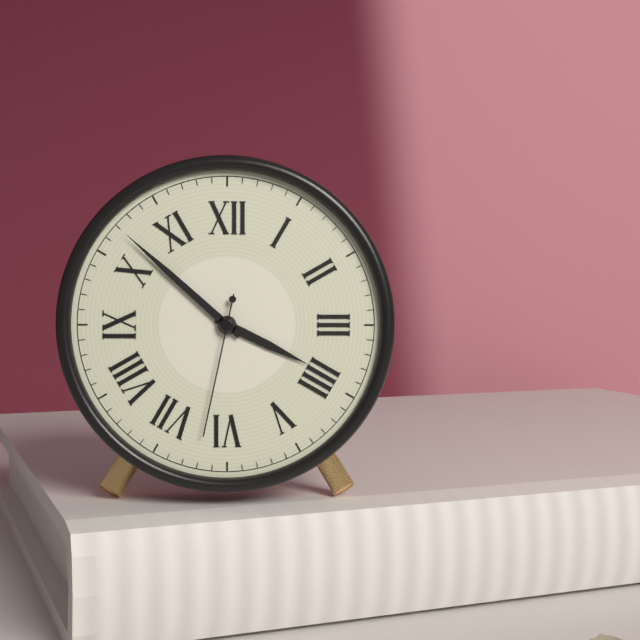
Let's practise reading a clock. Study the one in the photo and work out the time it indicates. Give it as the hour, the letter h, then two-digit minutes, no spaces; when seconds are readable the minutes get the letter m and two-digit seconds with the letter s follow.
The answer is 3h52m32s
